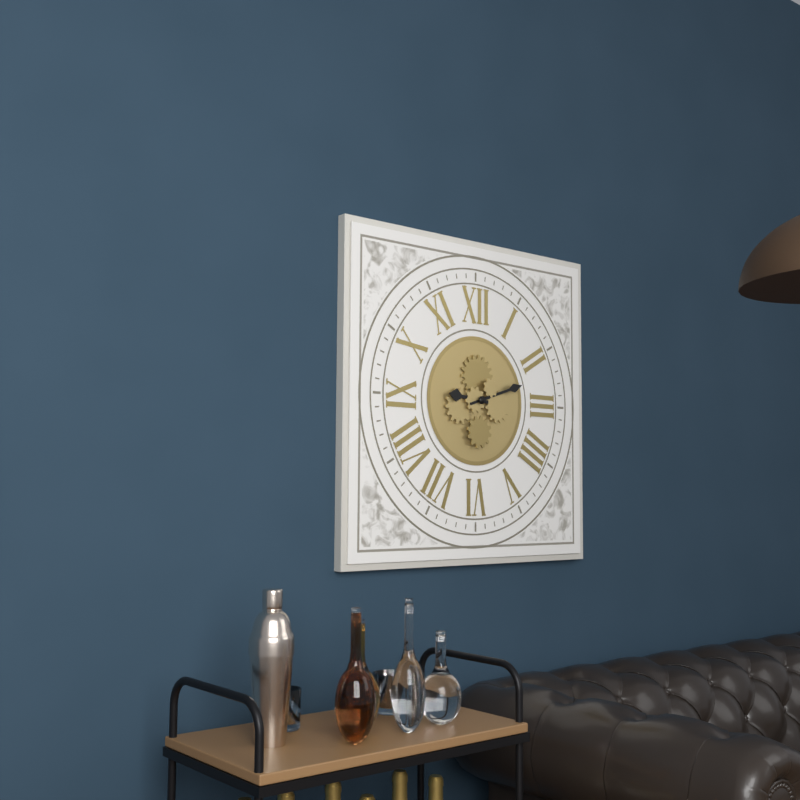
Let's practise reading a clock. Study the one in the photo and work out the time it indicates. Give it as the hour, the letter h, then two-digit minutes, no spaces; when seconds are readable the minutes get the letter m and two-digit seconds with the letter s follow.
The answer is 9h12
